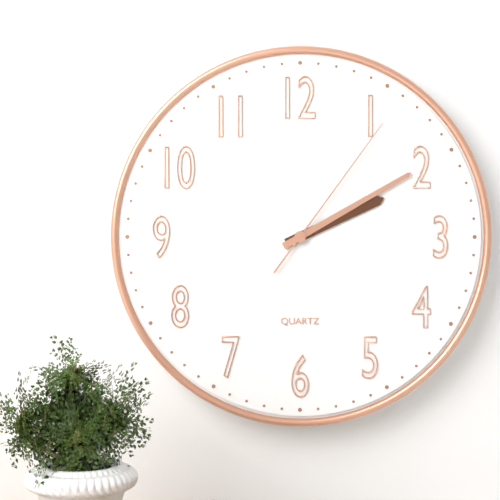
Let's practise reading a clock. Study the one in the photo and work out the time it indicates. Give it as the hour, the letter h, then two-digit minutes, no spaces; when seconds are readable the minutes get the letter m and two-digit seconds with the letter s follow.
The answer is 2h10m06s
